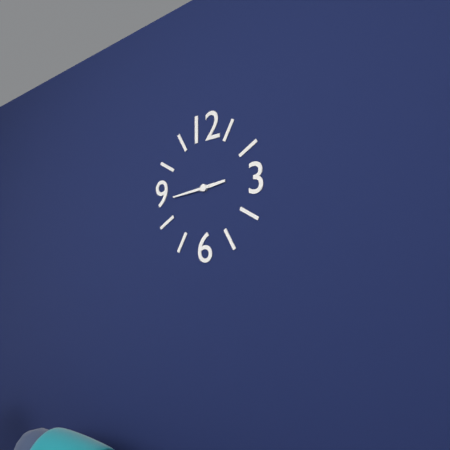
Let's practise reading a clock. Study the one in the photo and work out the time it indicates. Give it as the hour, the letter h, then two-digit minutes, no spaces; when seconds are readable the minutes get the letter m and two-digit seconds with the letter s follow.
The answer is 2h44
